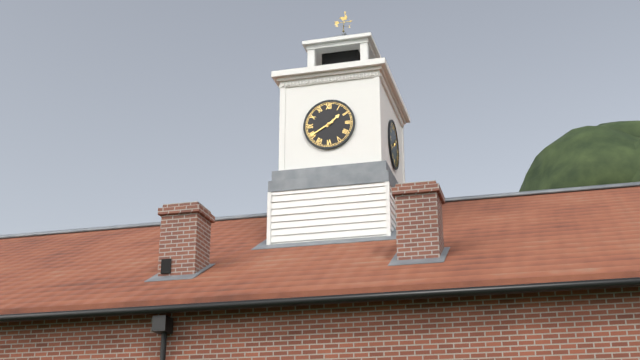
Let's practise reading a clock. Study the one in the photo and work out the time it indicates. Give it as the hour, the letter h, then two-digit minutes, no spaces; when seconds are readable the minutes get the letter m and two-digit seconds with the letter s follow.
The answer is 1h40
